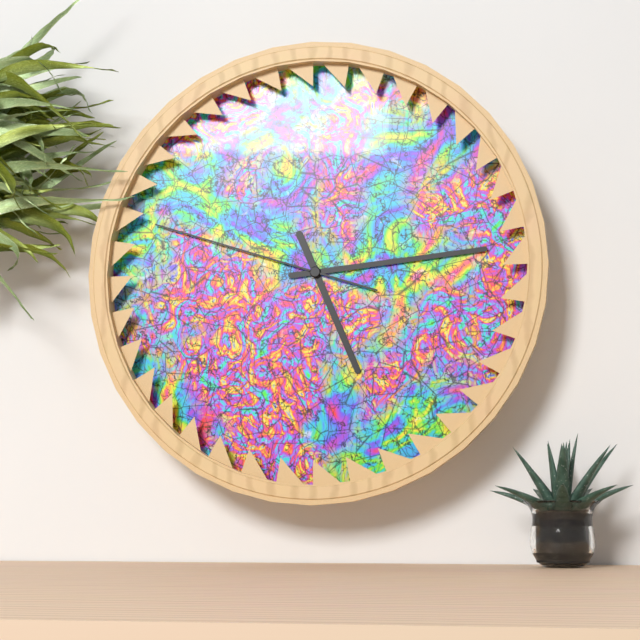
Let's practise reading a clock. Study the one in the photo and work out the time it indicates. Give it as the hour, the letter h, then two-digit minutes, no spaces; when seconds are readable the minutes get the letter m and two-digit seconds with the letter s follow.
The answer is 5h14m48s
